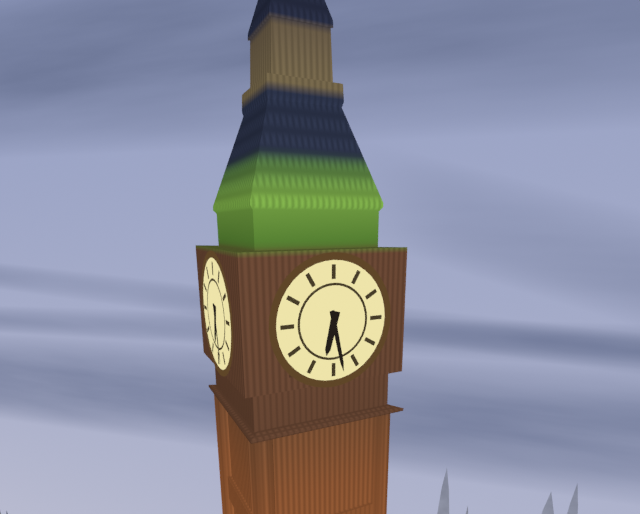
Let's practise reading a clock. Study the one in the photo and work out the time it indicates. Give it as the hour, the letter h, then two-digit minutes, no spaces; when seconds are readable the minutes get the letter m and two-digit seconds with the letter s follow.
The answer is 6h28
